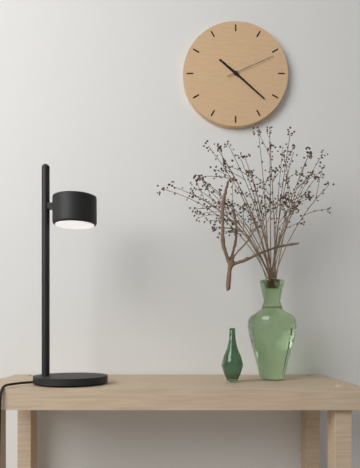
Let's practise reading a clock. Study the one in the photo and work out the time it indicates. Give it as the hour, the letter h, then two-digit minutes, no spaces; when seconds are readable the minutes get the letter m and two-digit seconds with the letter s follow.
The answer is 10h22m11s
